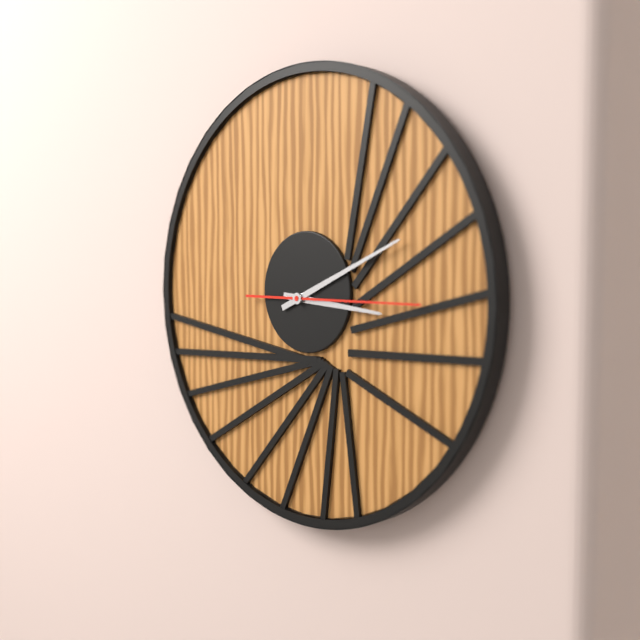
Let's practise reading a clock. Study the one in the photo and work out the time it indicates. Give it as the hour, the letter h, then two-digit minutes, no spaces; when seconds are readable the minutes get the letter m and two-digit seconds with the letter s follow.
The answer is 3h11m15s
